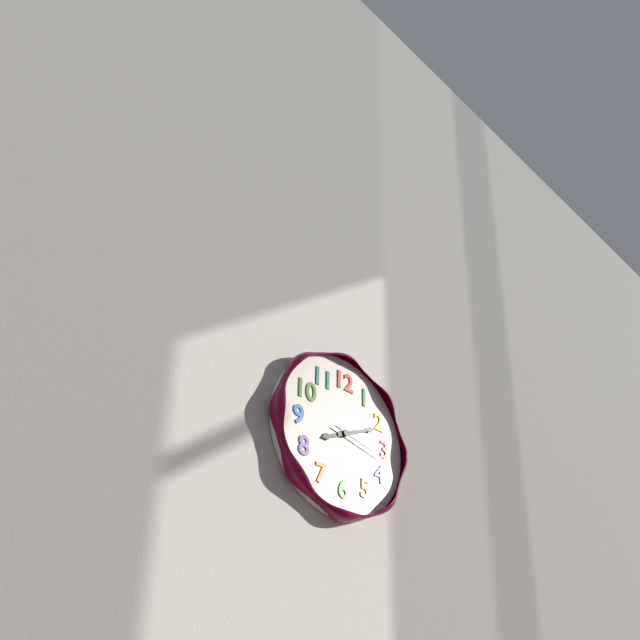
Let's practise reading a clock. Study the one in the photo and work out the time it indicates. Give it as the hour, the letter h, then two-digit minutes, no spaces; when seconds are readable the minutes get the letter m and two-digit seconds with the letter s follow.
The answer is 8h11m17s
